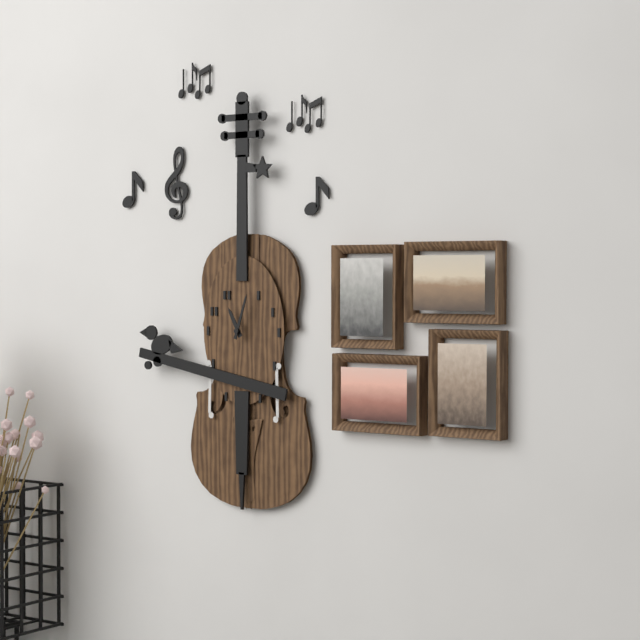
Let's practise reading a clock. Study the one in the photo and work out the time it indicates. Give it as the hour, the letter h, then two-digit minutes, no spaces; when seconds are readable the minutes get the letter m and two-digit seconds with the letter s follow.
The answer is 11h03
